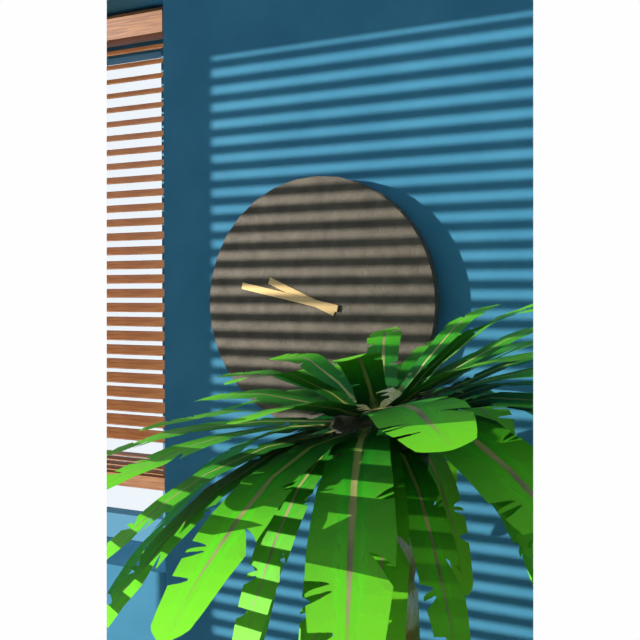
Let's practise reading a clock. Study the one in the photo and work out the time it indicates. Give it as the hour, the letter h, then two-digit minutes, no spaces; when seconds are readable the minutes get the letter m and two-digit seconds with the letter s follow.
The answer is 9h47
